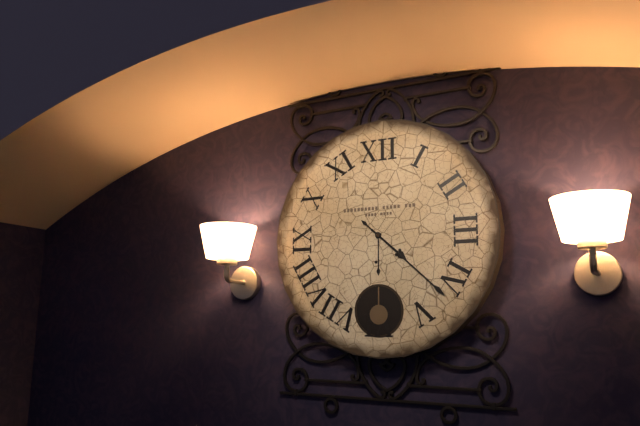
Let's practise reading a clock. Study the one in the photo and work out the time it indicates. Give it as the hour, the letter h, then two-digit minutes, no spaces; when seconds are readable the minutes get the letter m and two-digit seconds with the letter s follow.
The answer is 4h22
